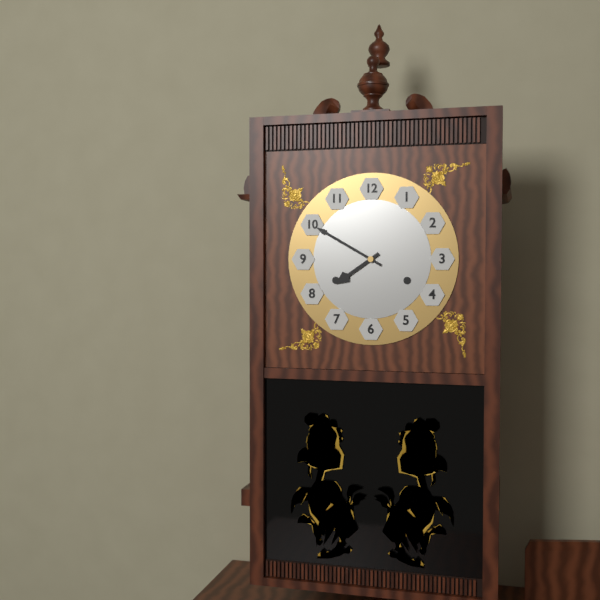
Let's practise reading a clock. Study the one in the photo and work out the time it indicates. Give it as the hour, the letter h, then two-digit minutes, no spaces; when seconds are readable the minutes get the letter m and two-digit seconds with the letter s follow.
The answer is 7h50
